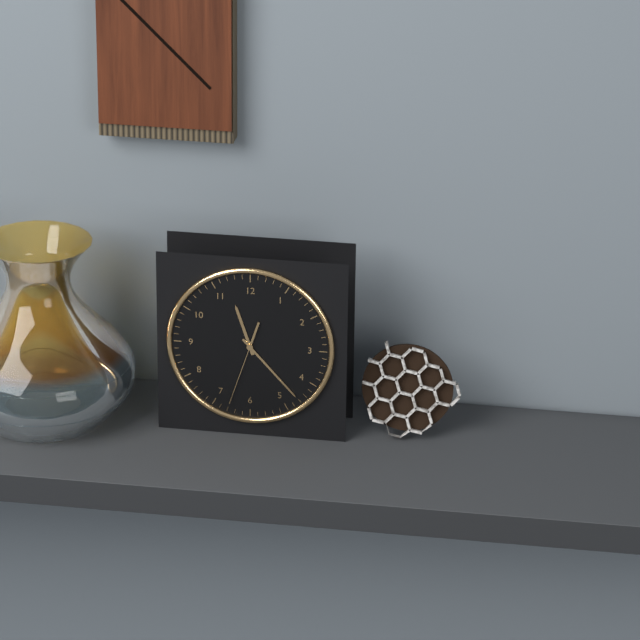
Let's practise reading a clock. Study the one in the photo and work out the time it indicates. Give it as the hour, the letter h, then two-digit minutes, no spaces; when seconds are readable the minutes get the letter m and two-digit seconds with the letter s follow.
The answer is 11h23m33s
